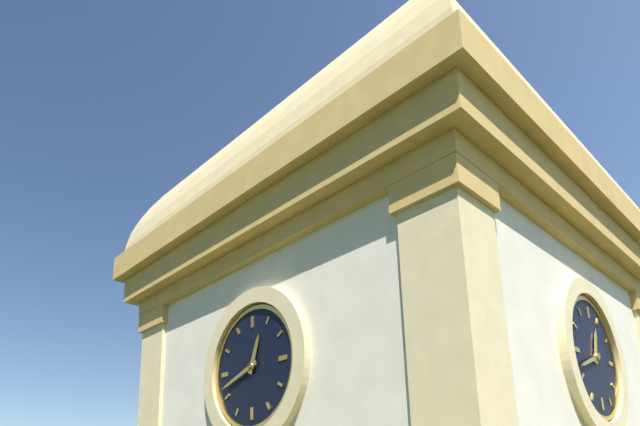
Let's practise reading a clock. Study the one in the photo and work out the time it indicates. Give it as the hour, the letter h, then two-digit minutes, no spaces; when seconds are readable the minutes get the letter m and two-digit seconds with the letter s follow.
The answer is 12h42
